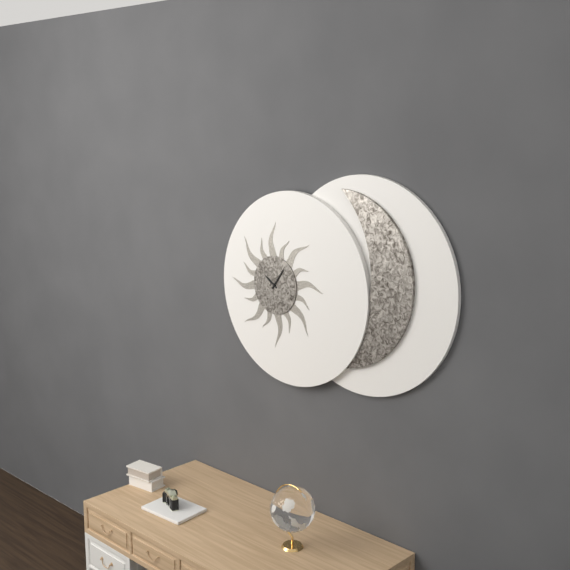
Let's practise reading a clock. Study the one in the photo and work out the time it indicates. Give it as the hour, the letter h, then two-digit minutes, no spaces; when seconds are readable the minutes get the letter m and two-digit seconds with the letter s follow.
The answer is 10h06
